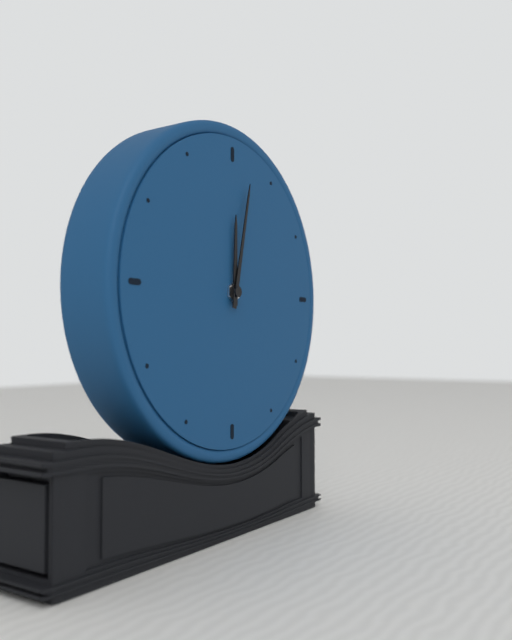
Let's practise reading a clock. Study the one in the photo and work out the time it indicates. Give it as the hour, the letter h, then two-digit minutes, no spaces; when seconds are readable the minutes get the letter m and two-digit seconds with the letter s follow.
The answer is 12h02
